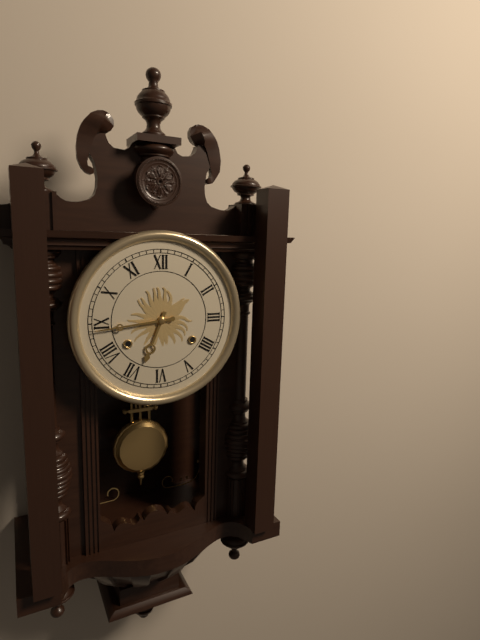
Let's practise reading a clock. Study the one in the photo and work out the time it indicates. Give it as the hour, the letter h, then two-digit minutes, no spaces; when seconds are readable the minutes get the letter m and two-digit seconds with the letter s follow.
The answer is 6h44
